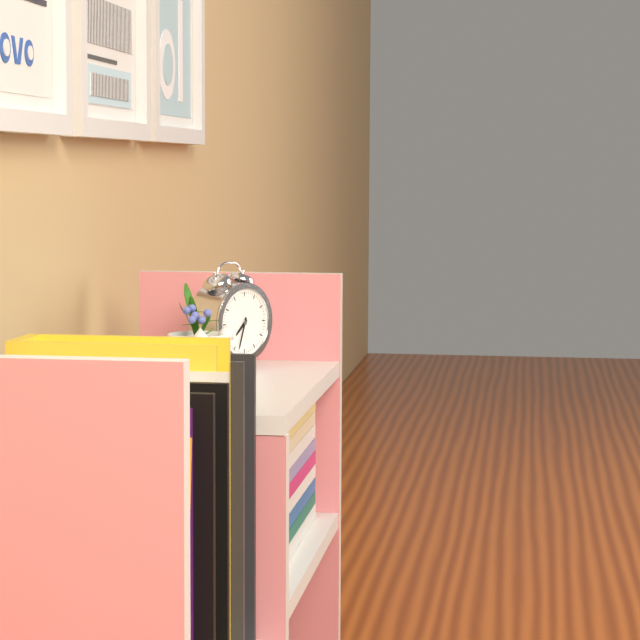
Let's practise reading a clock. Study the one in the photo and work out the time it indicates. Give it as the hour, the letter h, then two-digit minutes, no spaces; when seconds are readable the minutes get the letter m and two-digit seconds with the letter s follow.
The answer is 7h33
